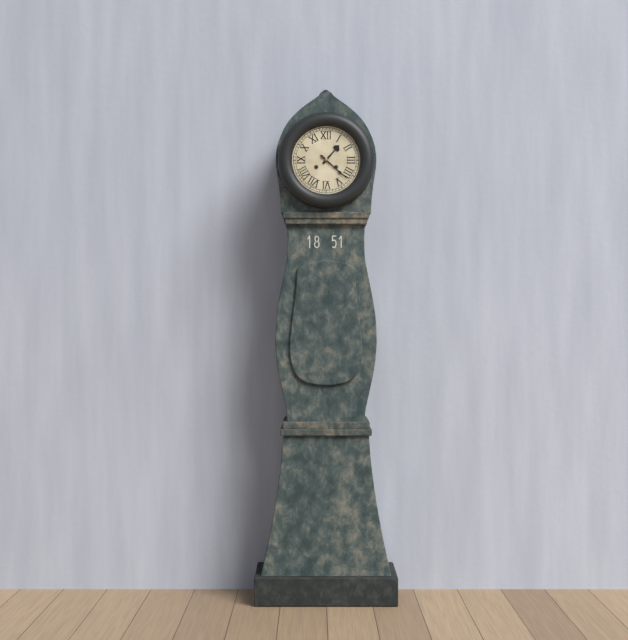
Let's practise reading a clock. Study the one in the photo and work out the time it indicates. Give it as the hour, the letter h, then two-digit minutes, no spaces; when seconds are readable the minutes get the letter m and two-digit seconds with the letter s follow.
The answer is 1h22
